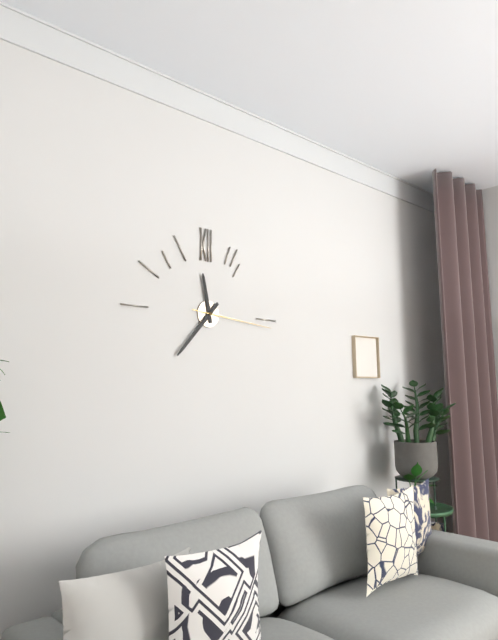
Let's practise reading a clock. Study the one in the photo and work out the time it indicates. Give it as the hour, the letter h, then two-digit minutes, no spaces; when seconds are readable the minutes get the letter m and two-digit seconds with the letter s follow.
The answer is 11h37m16s
